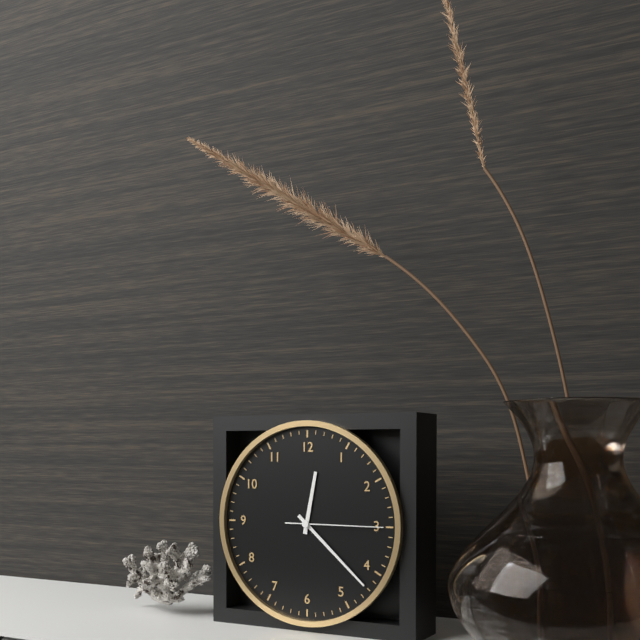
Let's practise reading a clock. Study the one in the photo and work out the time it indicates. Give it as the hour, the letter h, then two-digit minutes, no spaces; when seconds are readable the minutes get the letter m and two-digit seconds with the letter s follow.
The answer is 12h22m15s
